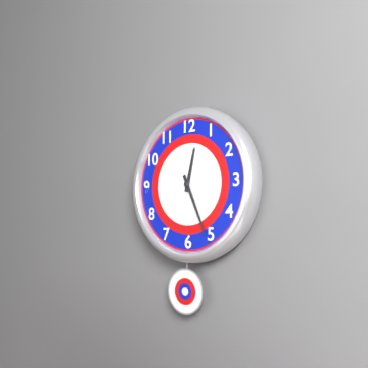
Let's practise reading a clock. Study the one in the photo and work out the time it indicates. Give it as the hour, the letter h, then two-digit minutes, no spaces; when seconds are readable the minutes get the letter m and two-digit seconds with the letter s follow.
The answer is 12h26
